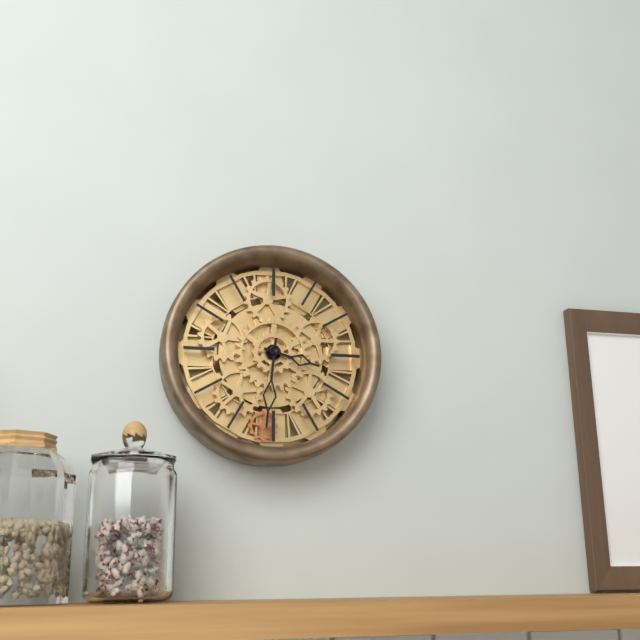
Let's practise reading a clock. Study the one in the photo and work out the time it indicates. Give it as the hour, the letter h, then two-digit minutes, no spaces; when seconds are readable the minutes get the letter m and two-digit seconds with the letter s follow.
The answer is 3h31
